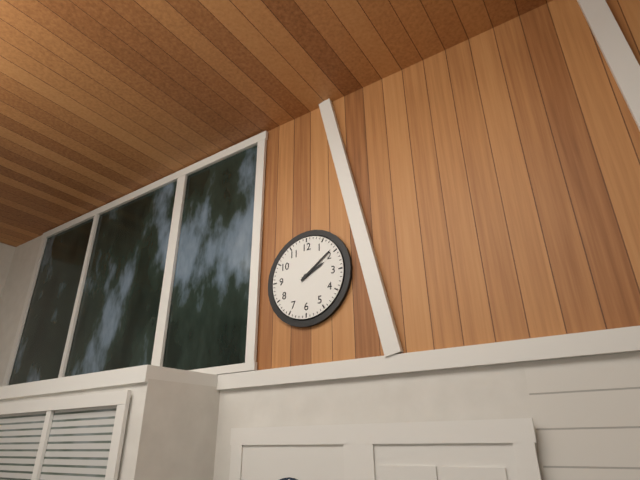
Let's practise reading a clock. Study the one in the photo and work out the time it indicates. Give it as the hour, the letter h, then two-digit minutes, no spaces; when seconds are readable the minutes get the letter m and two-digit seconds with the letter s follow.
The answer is 2h09
